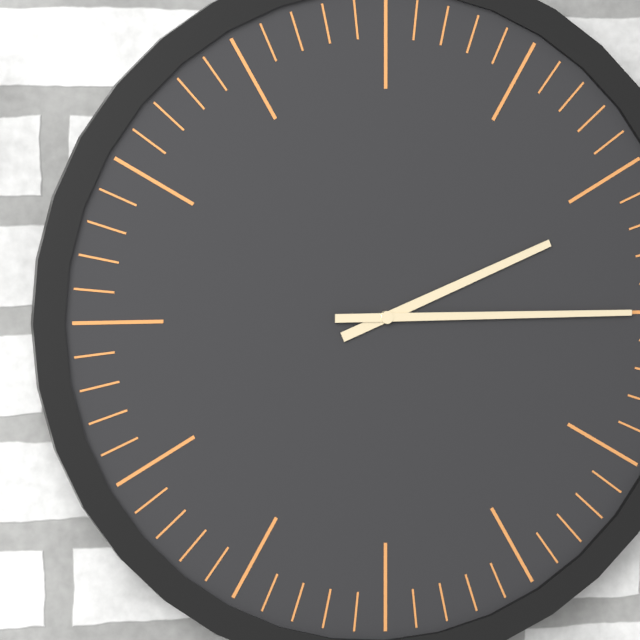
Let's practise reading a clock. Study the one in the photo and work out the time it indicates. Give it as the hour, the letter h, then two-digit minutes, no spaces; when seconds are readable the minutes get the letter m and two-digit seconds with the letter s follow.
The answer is 2h15
